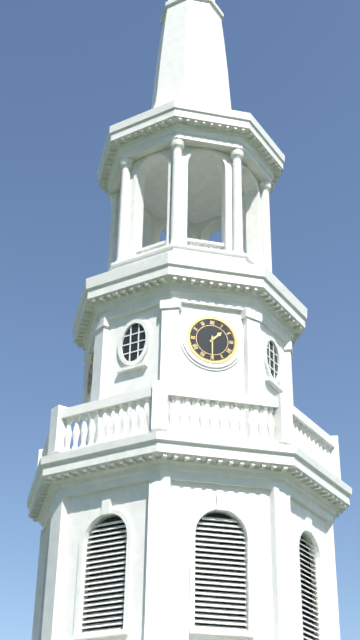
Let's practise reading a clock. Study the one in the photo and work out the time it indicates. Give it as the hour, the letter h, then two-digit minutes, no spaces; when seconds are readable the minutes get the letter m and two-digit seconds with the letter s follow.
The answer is 1h30
